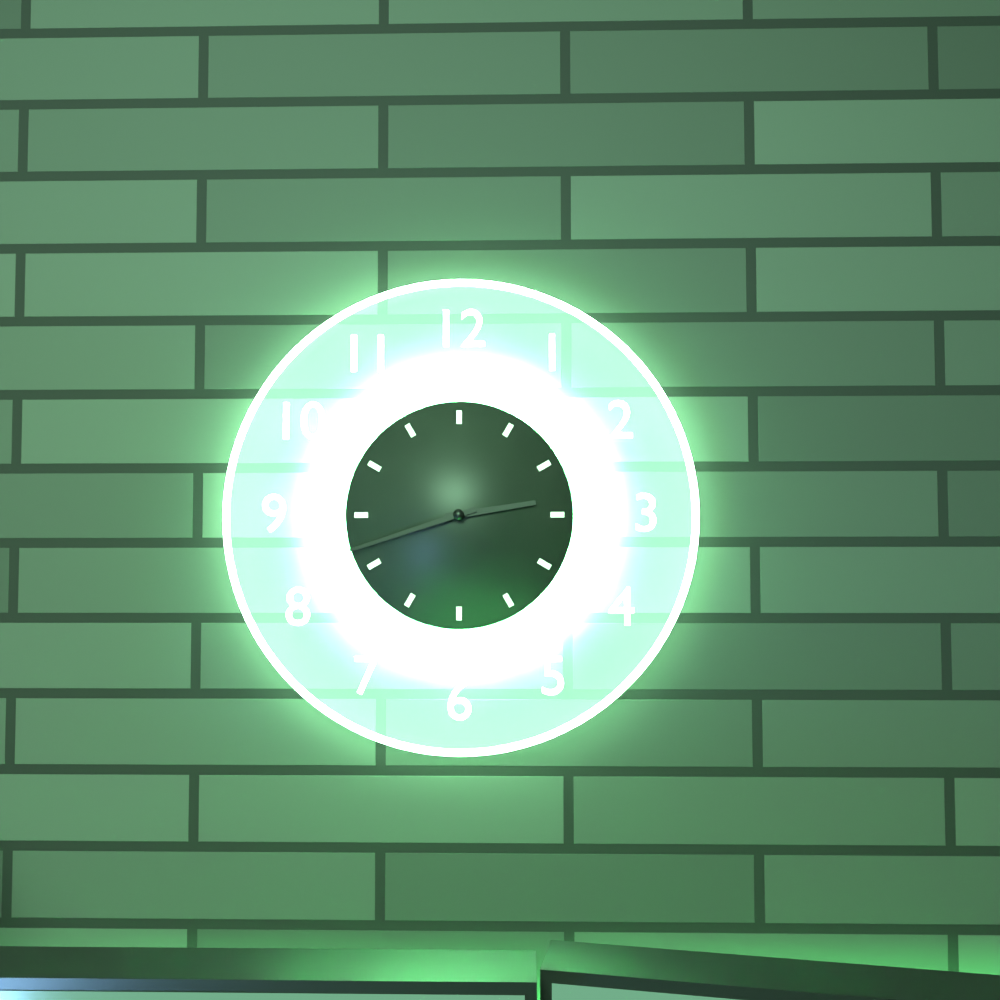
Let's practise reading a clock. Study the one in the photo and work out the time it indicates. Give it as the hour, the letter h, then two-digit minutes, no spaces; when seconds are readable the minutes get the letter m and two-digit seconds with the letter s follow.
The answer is 2h42
